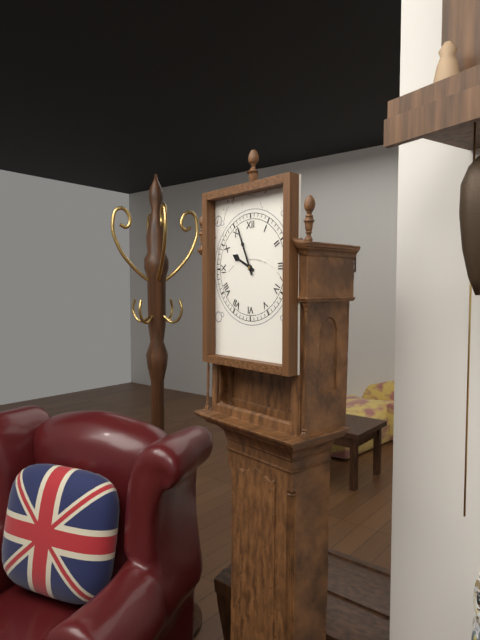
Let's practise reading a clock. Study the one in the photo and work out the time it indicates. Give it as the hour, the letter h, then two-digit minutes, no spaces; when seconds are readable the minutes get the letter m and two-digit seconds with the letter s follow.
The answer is 9h56
